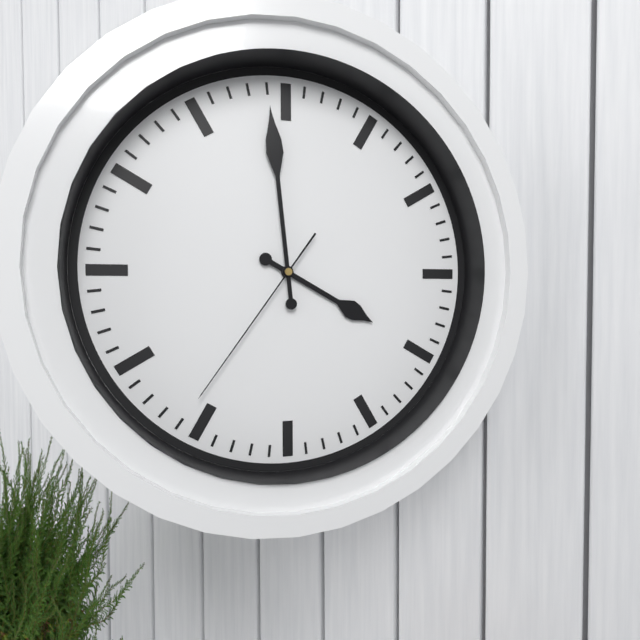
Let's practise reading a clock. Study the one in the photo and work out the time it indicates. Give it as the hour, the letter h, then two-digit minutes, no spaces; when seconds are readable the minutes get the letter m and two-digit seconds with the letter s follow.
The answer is 3h59m36s
